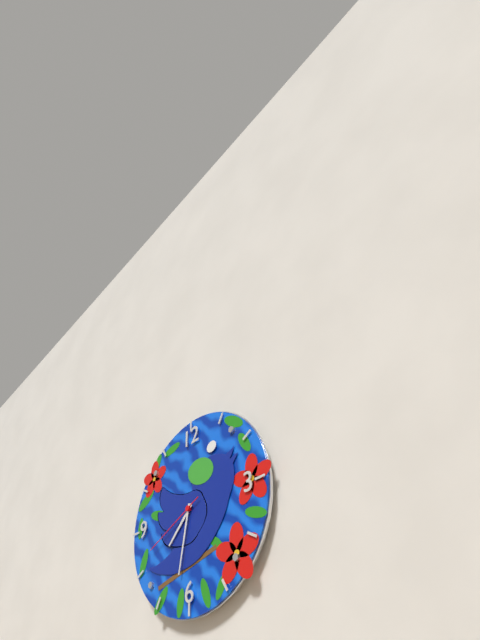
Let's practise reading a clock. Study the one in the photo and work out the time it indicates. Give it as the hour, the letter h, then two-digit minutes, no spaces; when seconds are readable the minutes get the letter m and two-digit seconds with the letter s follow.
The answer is 7h32m41s
